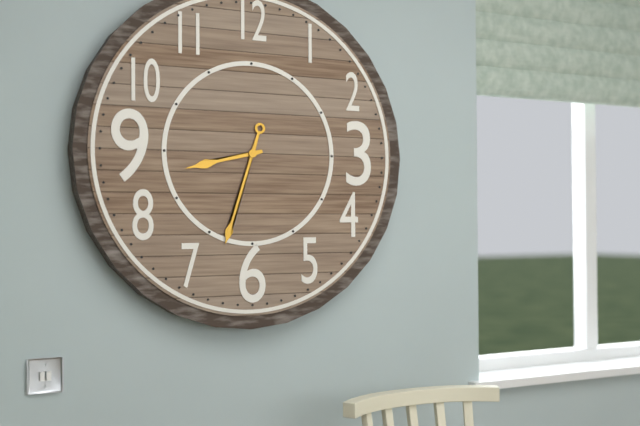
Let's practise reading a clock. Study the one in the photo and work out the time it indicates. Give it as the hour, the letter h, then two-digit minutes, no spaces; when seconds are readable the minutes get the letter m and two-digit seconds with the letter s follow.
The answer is 8h33
